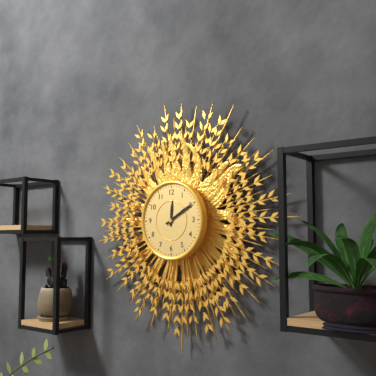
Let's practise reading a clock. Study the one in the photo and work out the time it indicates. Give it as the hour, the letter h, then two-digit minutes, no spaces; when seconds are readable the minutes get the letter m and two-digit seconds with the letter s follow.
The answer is 12h10
